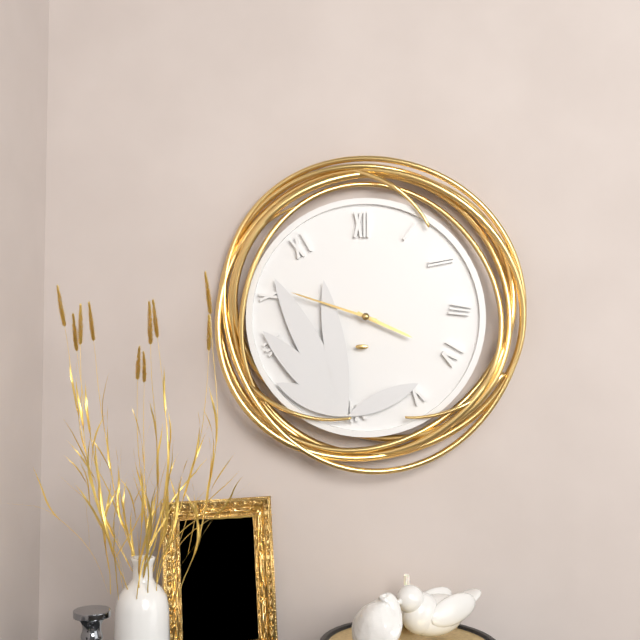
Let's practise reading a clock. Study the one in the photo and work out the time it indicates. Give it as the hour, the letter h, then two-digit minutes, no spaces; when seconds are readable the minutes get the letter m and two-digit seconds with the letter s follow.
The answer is 3h48
